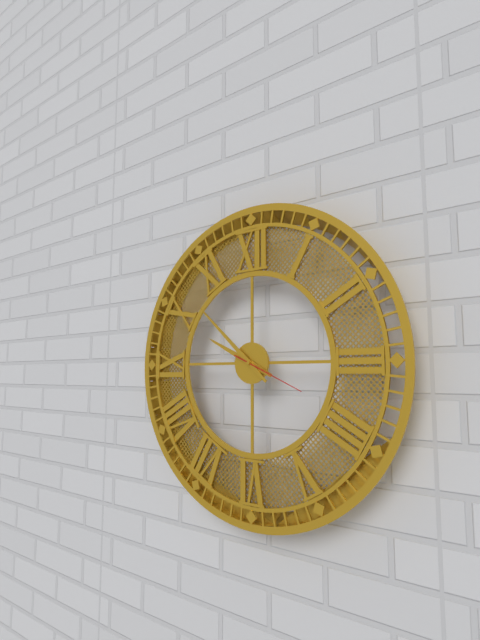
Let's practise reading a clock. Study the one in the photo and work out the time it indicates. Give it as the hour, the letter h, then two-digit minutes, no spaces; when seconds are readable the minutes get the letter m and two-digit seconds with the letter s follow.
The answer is 9h52m19s
